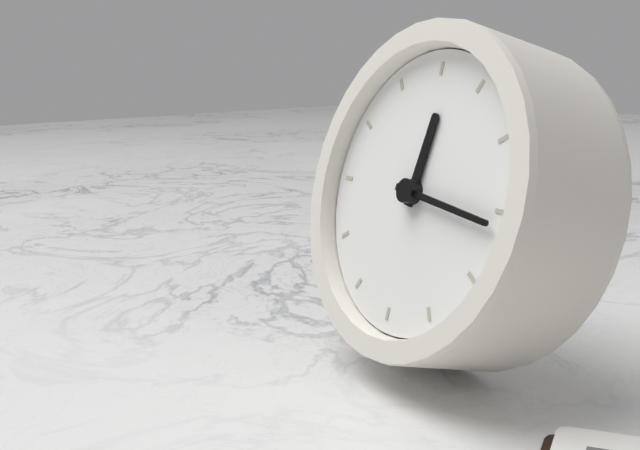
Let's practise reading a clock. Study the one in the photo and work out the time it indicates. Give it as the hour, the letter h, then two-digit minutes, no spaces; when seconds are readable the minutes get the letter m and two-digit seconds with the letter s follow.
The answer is 12h16
